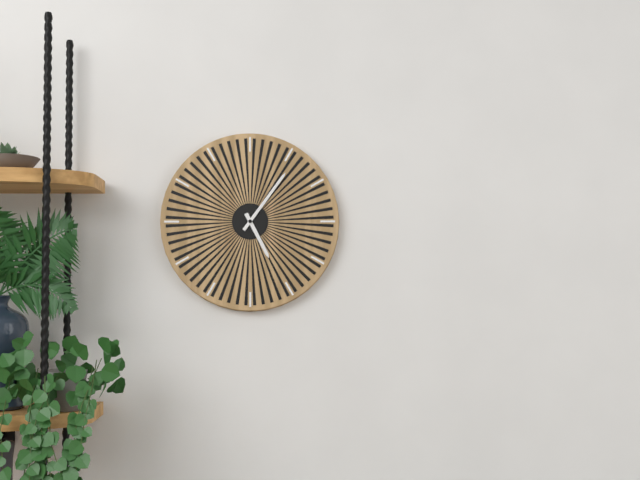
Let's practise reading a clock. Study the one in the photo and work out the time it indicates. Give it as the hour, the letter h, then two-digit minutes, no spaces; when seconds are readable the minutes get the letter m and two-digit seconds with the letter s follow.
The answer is 5h06
